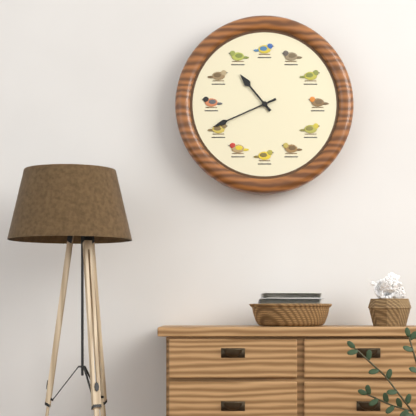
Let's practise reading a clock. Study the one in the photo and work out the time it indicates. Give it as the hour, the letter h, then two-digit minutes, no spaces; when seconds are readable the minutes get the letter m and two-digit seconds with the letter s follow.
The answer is 10h41
